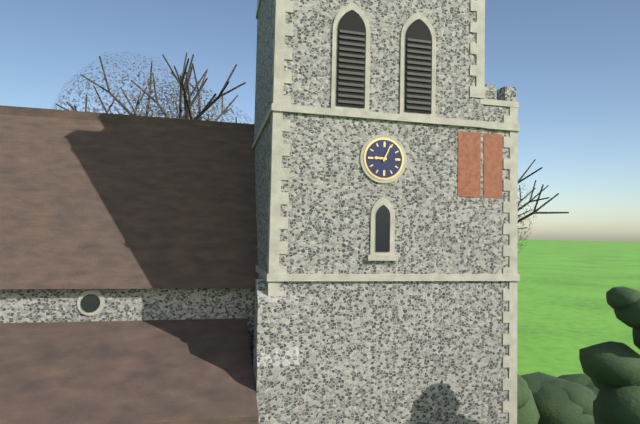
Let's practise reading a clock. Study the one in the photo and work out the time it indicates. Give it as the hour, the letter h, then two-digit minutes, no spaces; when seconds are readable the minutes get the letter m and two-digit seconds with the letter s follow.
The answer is 9h04
